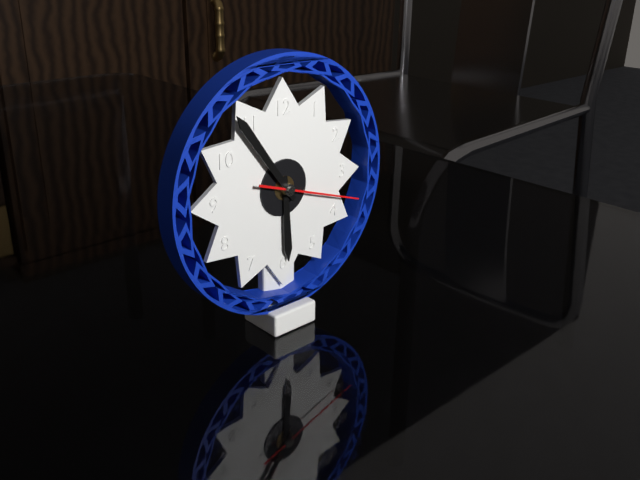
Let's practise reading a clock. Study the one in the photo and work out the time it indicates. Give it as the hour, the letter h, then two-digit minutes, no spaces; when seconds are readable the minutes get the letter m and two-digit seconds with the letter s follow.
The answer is 5h54m18s
